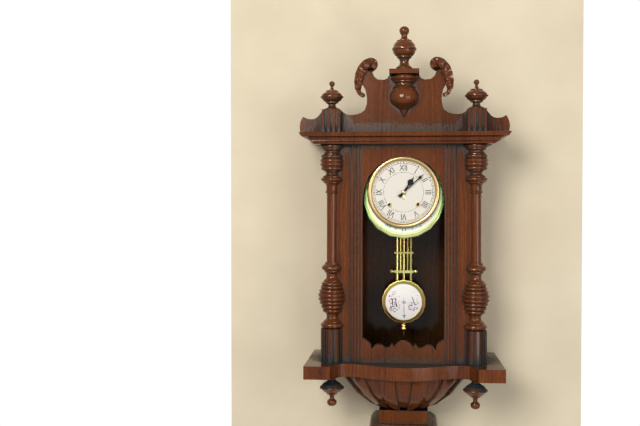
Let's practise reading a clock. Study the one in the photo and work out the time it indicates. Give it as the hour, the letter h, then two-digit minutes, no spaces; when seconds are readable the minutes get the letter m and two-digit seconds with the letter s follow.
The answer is 1h08
